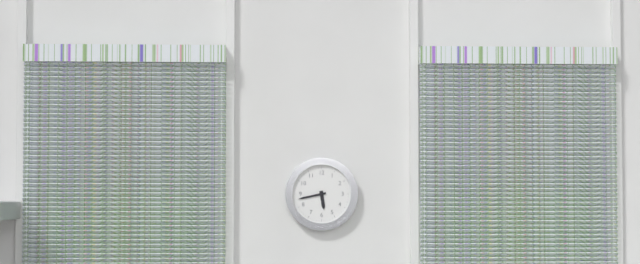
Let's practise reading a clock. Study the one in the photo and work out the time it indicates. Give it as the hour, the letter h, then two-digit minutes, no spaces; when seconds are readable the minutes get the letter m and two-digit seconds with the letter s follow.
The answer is 5h43
